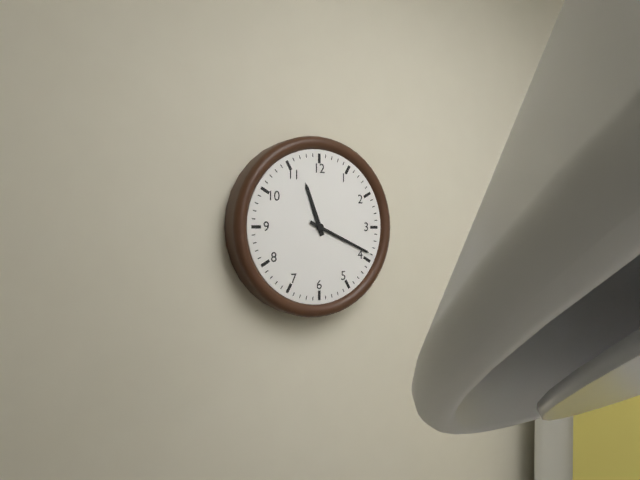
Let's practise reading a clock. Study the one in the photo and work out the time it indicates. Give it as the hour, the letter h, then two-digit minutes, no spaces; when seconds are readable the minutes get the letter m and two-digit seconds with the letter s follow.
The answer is 11h19
